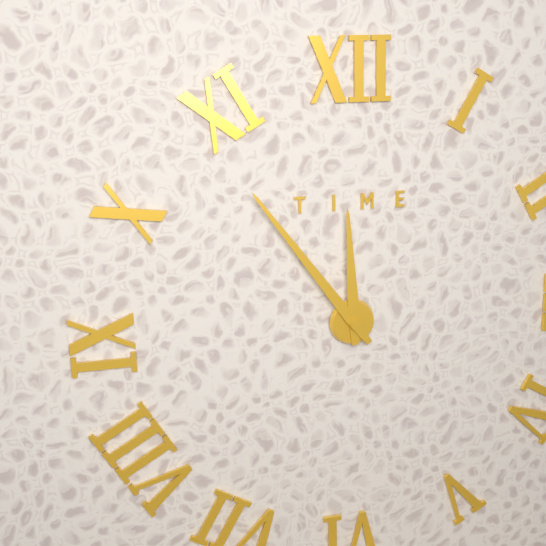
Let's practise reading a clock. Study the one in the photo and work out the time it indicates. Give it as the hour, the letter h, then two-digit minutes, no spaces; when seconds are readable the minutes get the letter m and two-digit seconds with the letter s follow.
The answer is 11h54
